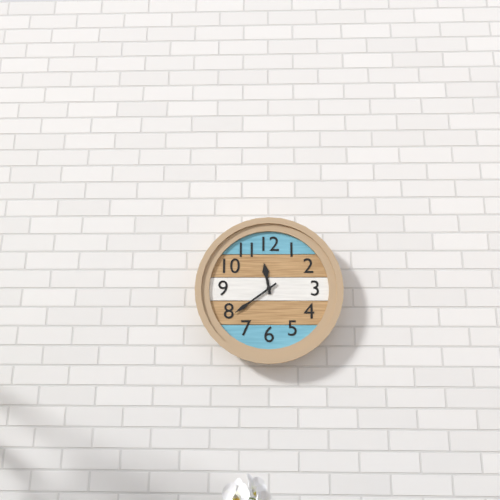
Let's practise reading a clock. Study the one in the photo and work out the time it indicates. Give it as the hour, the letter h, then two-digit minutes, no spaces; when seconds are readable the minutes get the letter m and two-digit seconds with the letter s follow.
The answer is 11h39
